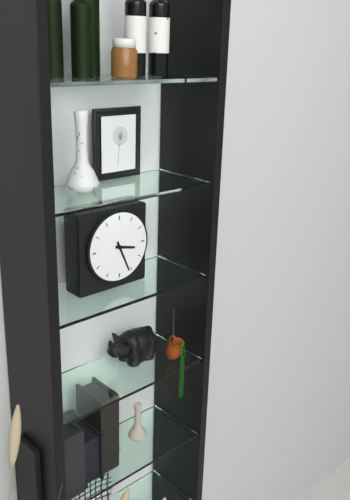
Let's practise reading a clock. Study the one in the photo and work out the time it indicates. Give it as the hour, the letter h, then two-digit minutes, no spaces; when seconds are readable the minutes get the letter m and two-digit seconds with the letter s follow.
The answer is 3h26
